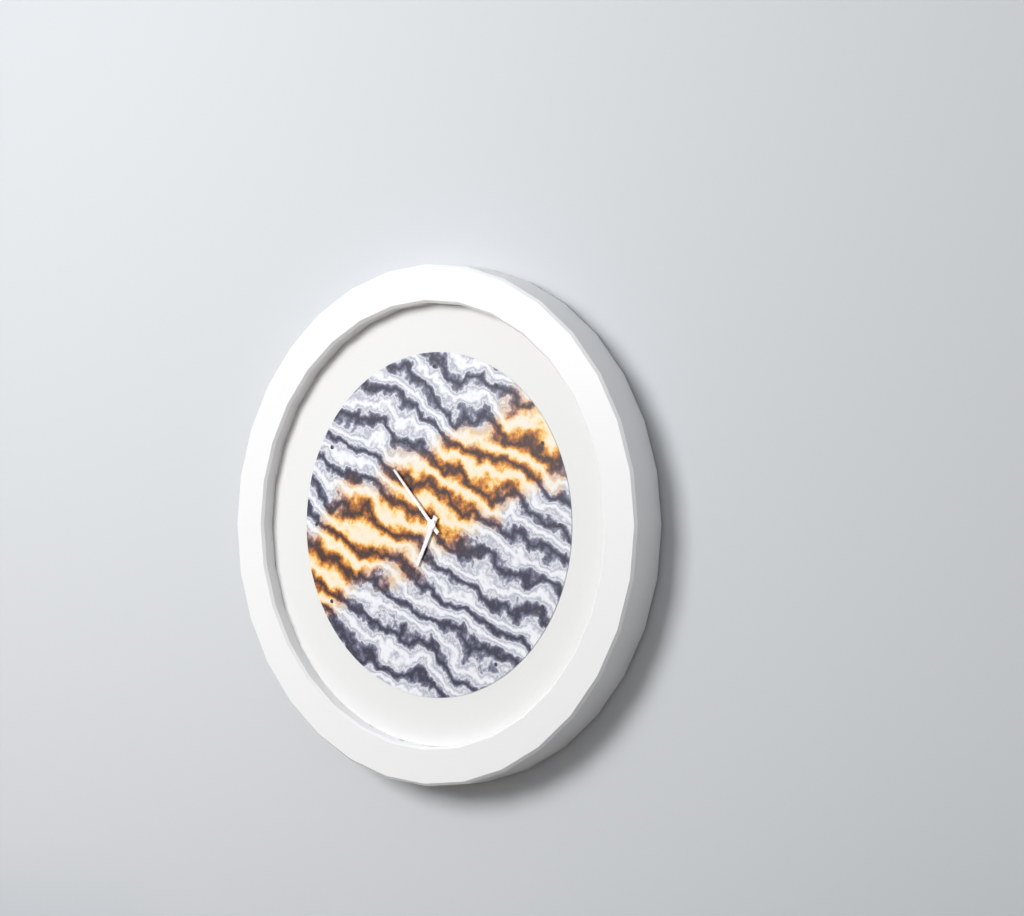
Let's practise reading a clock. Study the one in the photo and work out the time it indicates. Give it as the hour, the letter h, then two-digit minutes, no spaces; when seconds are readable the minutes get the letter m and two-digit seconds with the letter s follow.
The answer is 6h53
